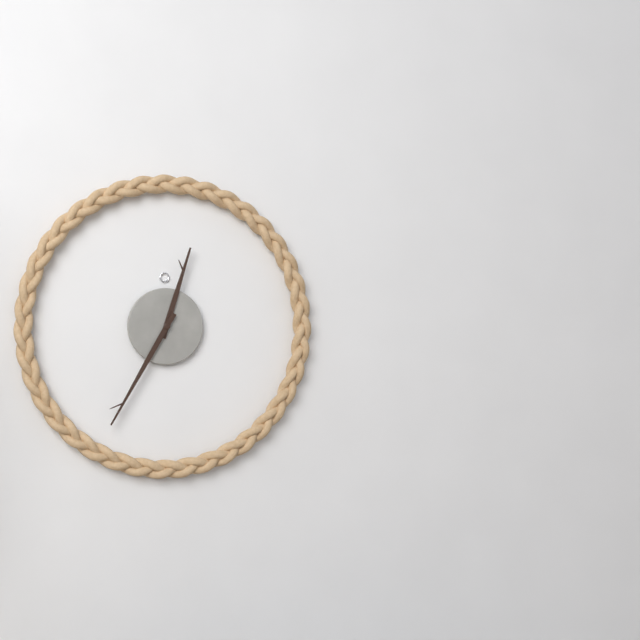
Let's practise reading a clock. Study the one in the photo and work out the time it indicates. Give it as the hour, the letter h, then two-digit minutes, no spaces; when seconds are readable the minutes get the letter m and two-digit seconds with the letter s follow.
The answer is 12h35
